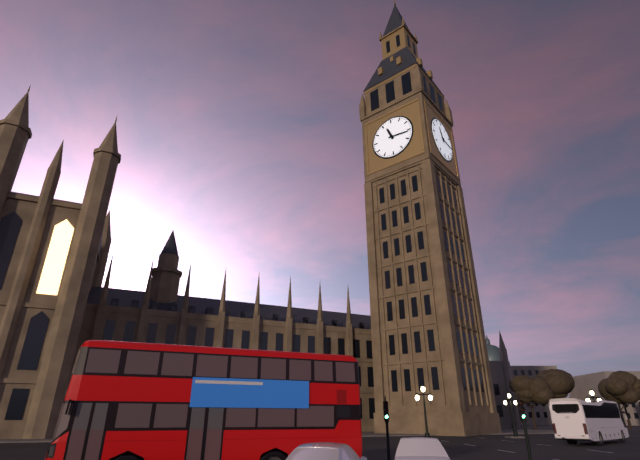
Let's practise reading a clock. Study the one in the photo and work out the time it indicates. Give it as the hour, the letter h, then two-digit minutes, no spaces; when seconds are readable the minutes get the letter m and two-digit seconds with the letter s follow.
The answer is 11h16
